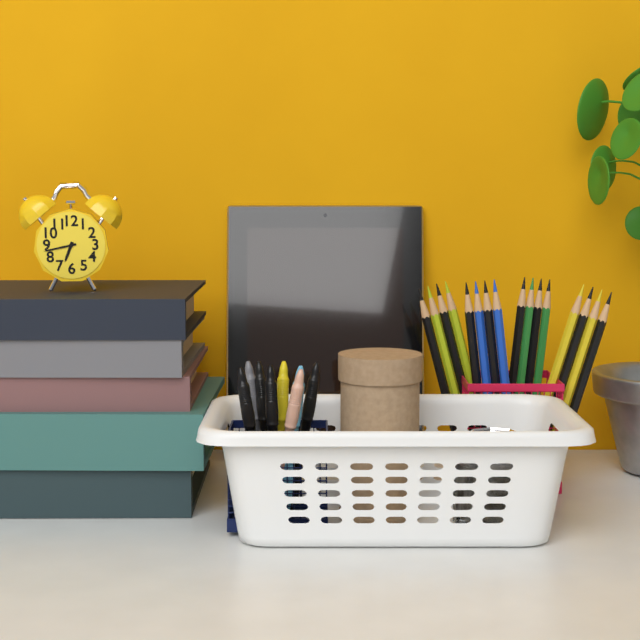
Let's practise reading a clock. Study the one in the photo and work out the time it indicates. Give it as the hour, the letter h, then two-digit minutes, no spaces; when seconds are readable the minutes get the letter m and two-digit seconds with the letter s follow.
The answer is 6h43
